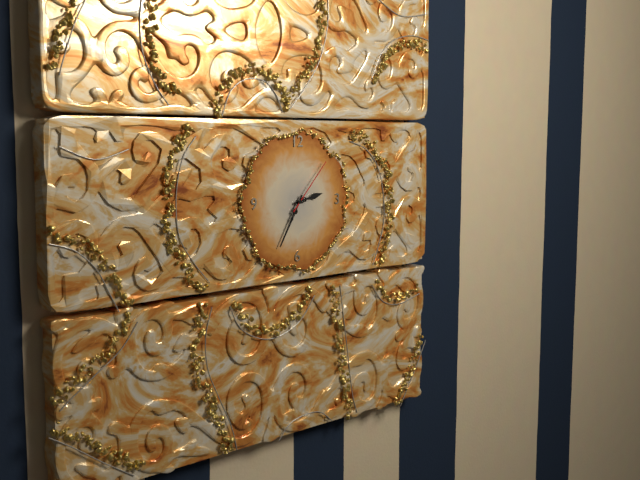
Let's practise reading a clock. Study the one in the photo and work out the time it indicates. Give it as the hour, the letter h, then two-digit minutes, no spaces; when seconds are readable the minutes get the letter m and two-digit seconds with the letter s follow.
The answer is 2h35m07s
